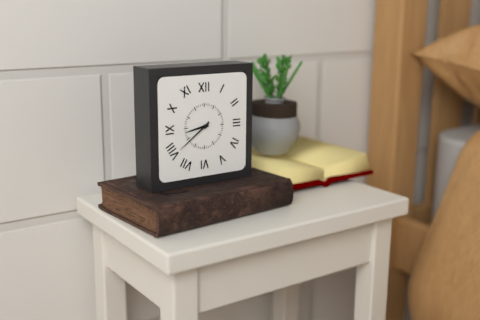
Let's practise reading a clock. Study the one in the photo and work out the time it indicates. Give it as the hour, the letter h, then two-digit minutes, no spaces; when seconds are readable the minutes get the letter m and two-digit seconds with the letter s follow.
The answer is 8h39
